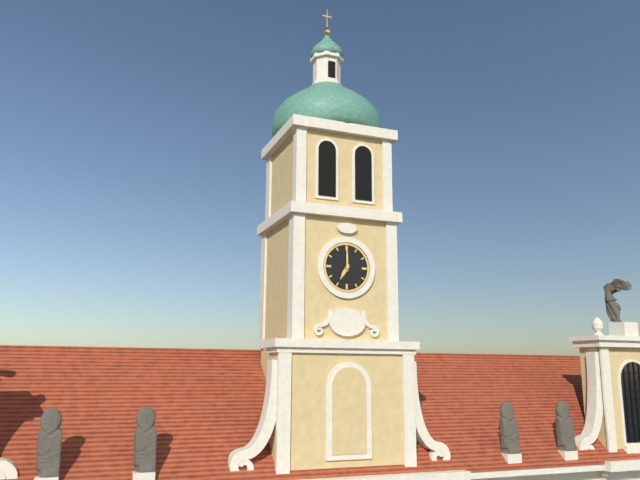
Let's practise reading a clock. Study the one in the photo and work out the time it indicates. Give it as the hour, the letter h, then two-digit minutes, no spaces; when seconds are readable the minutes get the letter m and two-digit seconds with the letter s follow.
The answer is 7h00
